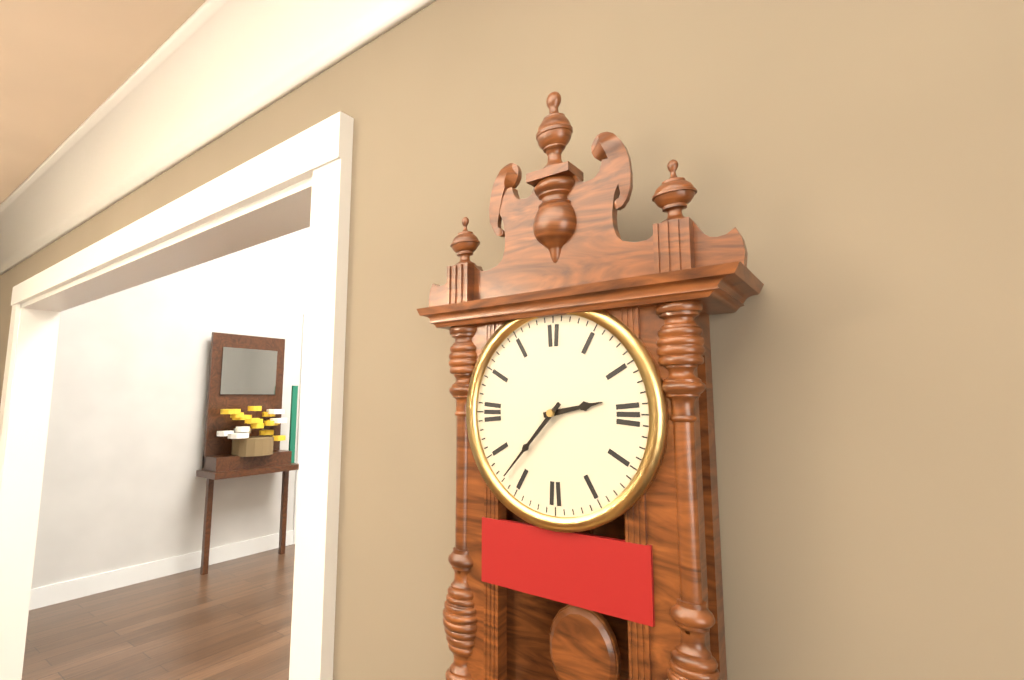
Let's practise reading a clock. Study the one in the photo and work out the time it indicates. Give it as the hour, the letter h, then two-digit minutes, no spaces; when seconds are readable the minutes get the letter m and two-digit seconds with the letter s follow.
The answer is 2h37
